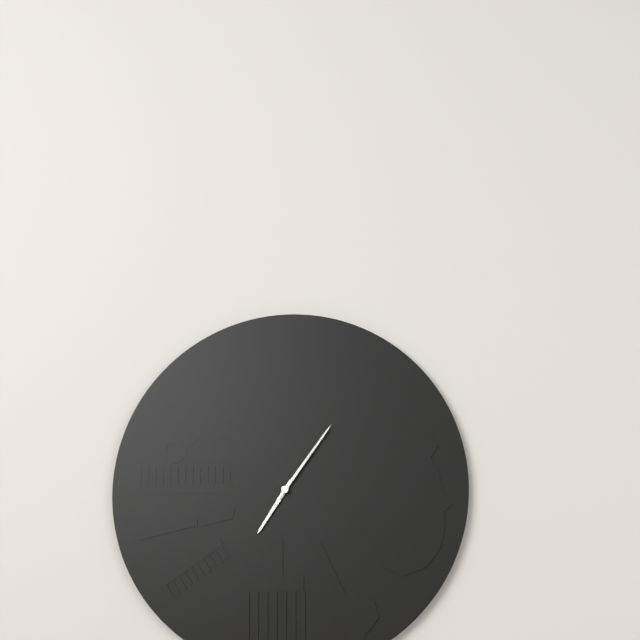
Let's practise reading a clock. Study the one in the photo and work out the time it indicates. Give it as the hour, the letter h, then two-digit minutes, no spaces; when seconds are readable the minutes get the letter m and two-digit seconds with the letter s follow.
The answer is 7h06
